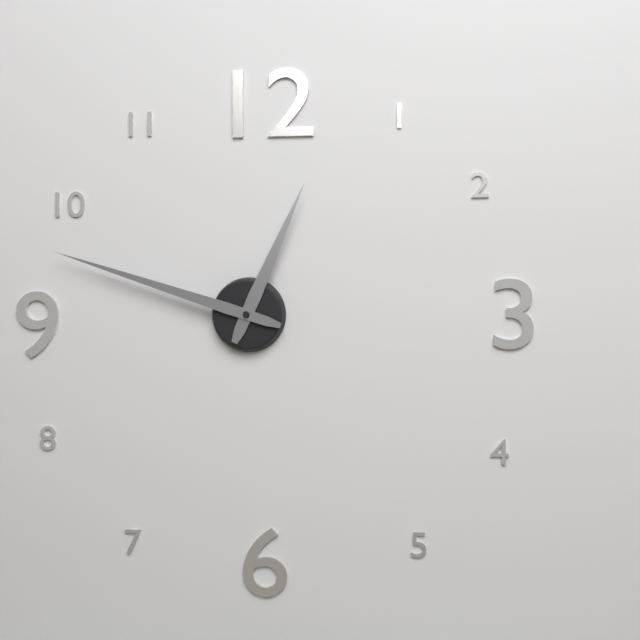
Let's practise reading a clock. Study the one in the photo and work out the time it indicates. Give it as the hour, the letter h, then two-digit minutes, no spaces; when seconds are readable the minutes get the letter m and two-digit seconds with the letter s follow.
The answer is 12h48
